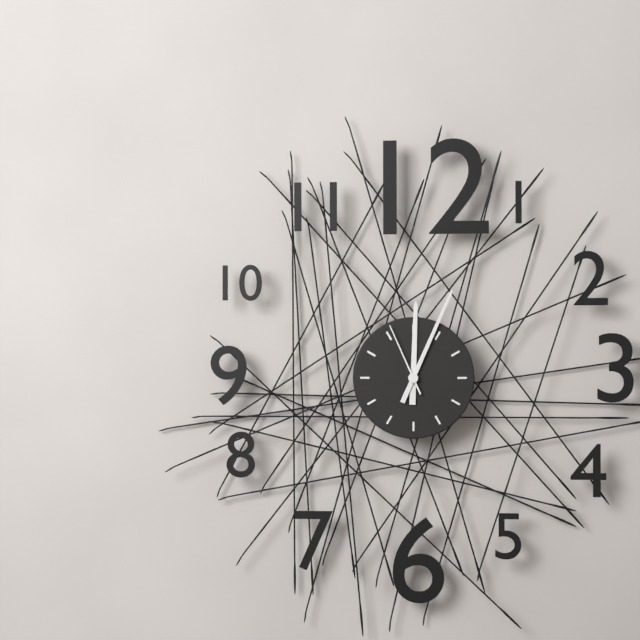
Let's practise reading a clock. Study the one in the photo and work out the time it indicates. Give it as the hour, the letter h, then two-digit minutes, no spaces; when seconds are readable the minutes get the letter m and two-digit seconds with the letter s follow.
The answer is 12h04m56s
